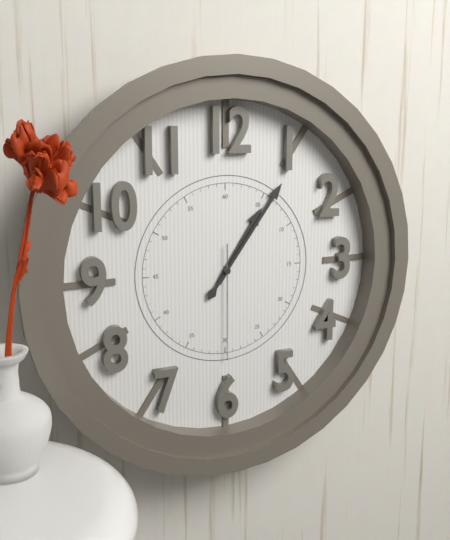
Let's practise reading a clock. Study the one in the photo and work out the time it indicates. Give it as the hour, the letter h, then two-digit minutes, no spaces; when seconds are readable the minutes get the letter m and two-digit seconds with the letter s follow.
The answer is 1h06m30s
